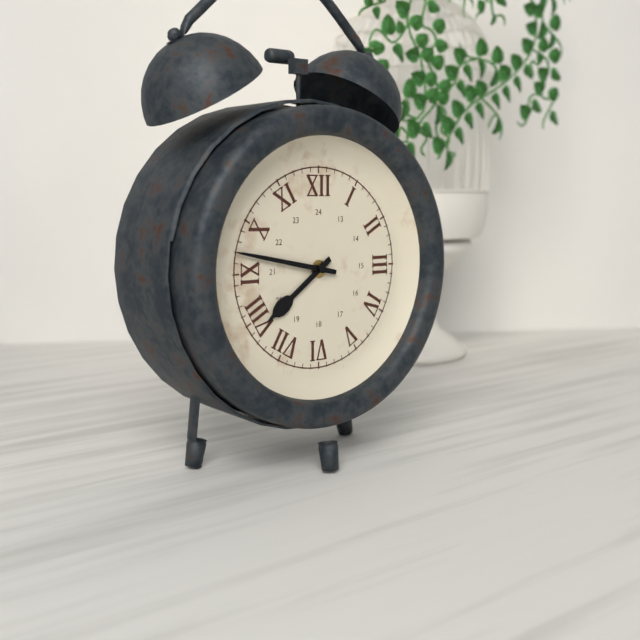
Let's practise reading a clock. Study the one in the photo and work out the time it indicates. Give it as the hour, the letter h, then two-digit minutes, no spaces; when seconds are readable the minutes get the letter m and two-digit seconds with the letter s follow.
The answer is 7h47
